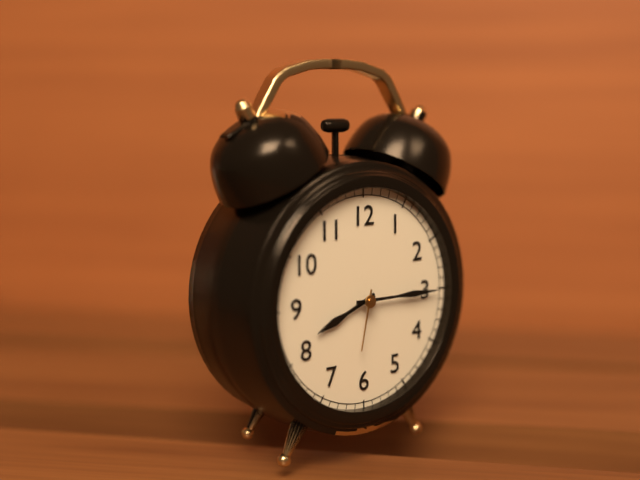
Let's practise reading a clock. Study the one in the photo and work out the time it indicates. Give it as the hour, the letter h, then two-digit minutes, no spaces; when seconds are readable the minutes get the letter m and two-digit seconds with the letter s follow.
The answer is 8h15m32s
